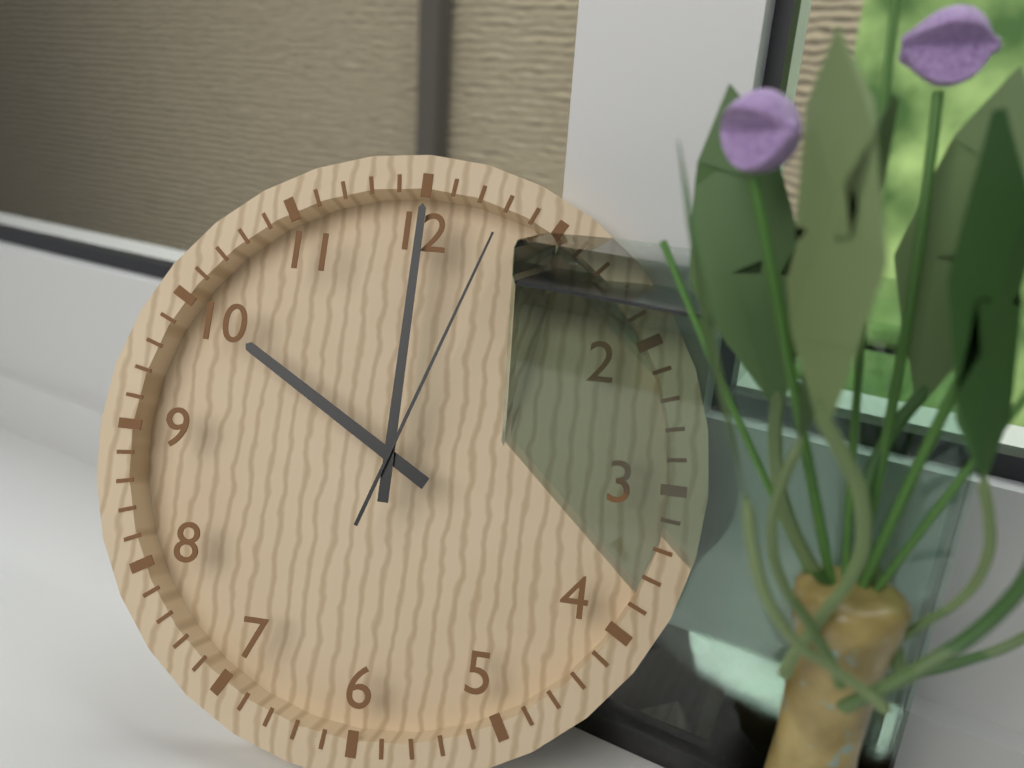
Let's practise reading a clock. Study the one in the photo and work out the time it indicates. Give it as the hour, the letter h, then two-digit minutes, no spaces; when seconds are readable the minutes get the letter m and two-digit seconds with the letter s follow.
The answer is 10h00m03s
